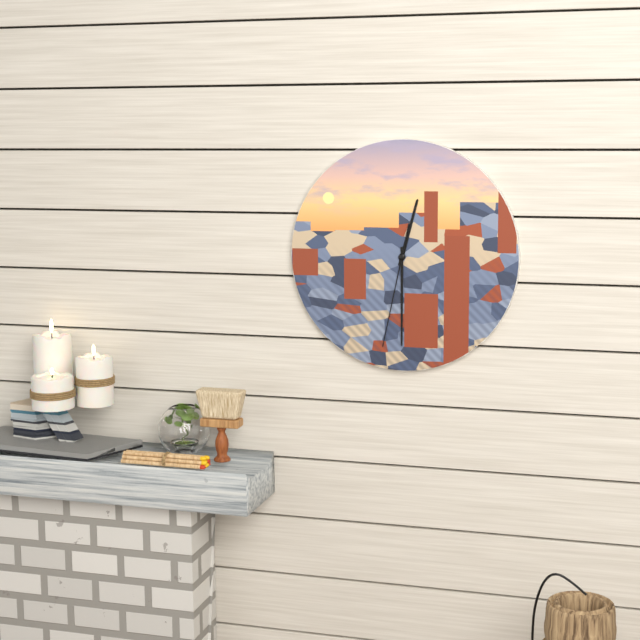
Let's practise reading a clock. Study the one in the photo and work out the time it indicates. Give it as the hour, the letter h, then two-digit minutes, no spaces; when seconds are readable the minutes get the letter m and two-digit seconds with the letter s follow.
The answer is 12h30m32s
